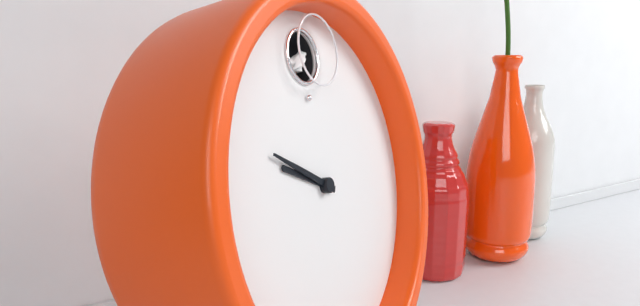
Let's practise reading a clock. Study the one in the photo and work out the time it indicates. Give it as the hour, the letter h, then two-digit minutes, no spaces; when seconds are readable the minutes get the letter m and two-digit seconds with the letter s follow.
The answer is 9h50
